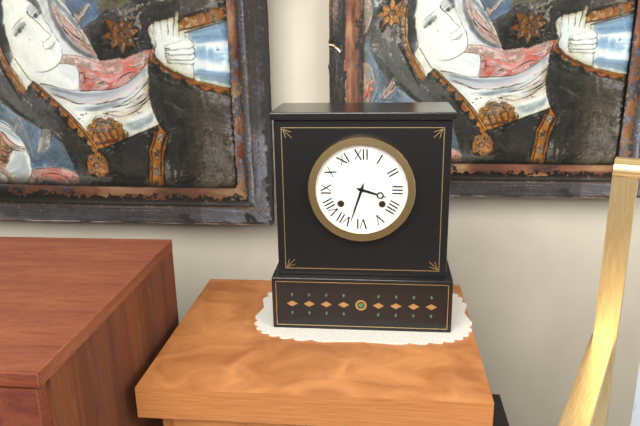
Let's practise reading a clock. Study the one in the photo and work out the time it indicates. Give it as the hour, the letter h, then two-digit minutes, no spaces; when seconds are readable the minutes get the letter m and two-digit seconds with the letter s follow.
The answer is 3h33
